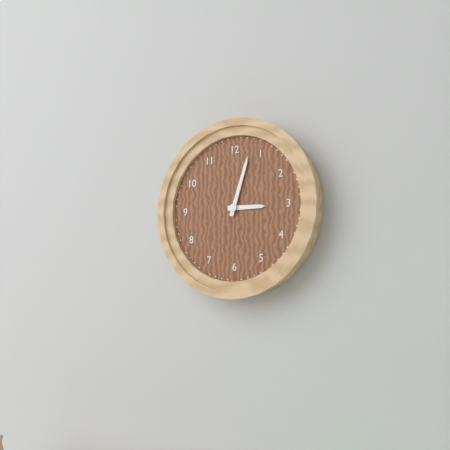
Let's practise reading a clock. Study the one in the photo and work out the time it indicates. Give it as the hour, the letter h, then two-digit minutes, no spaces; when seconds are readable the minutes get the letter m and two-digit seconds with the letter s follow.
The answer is 3h03
